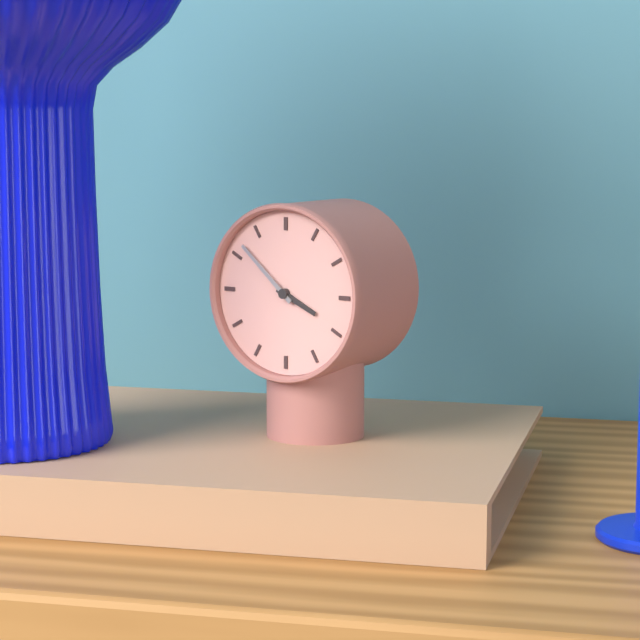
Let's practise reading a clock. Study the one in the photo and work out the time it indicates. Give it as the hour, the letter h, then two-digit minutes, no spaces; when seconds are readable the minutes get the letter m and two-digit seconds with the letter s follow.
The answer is 3h52
